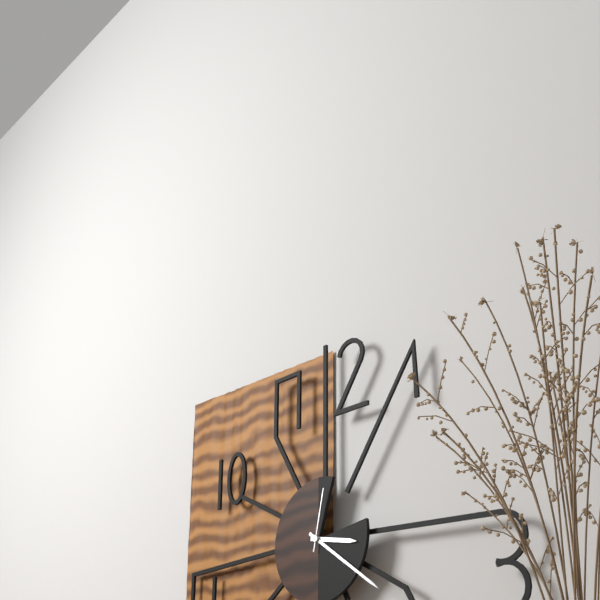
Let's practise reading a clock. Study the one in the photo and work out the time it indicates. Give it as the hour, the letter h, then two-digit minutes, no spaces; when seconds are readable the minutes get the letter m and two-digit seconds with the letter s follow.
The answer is 3h21m02s
